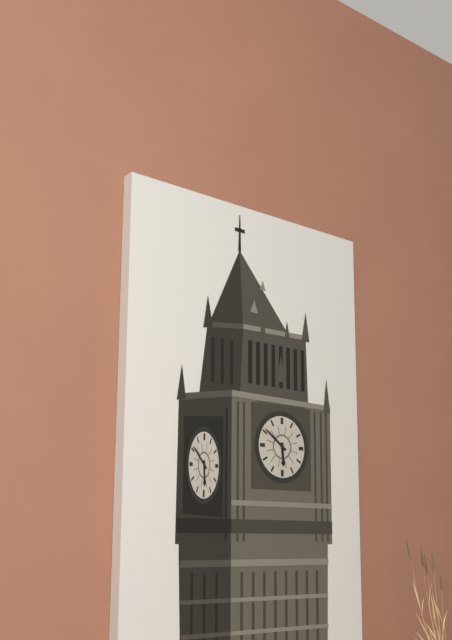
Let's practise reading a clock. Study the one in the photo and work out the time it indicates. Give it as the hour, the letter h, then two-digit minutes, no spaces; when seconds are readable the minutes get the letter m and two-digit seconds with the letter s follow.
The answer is 5h51
